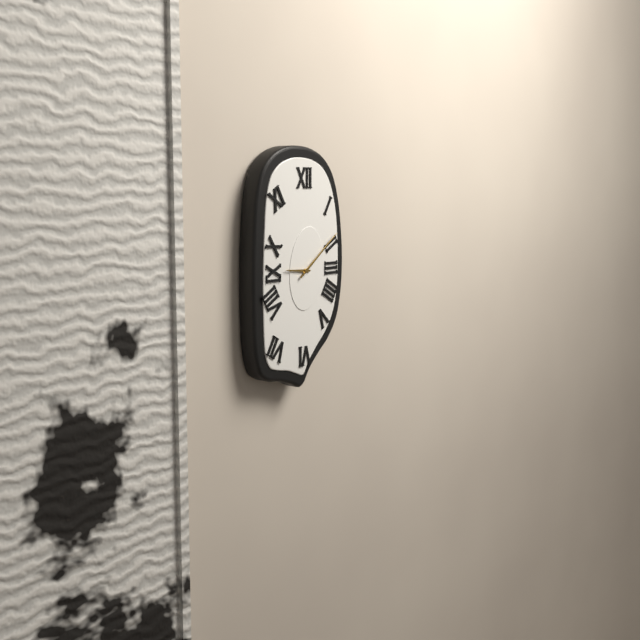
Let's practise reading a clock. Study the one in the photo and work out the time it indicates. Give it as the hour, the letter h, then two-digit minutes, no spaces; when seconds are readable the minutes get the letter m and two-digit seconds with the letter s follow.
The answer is 9h09
